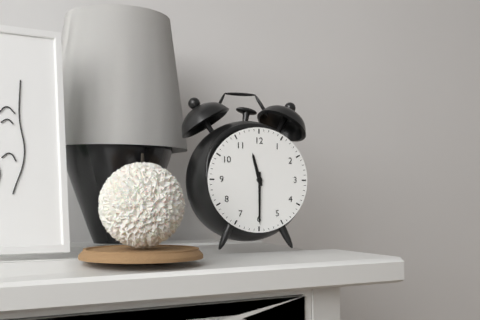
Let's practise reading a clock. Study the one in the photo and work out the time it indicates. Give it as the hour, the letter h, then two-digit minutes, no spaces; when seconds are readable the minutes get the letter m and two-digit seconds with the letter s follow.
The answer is 11h30
